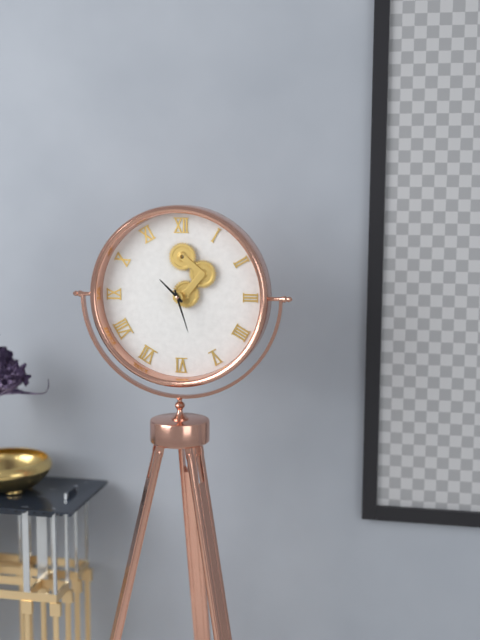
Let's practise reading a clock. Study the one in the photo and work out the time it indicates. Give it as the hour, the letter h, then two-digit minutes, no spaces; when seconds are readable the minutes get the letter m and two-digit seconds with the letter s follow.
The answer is 10h27
